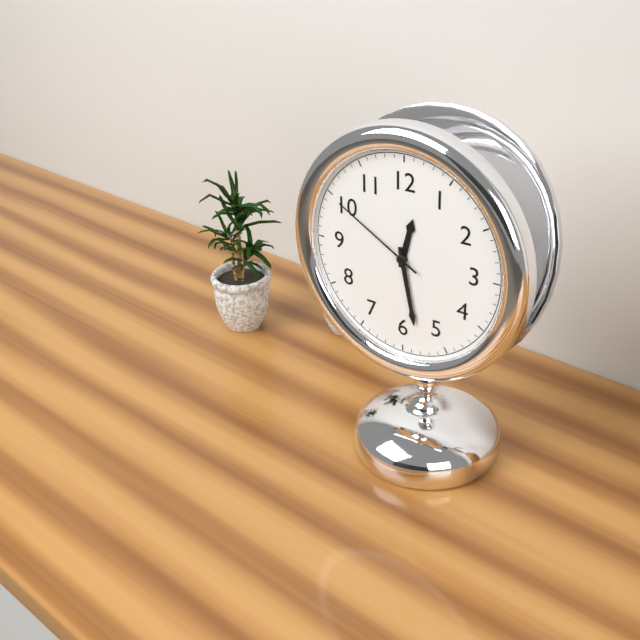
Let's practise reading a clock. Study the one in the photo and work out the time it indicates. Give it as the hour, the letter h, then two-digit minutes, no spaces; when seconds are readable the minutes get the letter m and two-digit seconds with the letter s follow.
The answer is 12h28m50s
